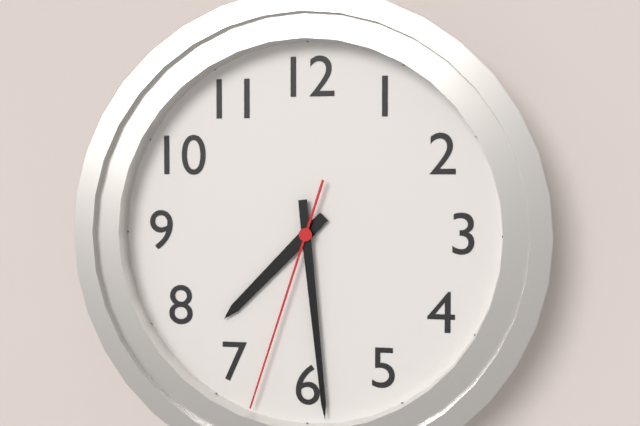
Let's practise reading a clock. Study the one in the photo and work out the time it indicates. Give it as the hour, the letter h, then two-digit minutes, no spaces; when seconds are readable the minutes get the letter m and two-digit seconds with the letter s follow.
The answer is 7h29m33s
